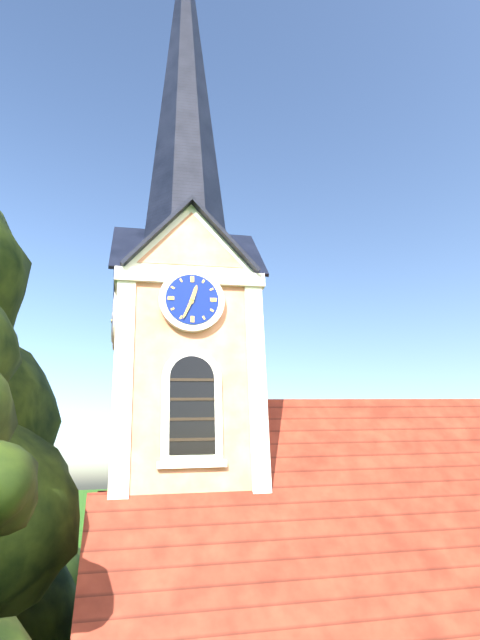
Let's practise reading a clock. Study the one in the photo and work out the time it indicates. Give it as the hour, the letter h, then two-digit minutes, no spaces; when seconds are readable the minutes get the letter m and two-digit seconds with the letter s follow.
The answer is 12h34
